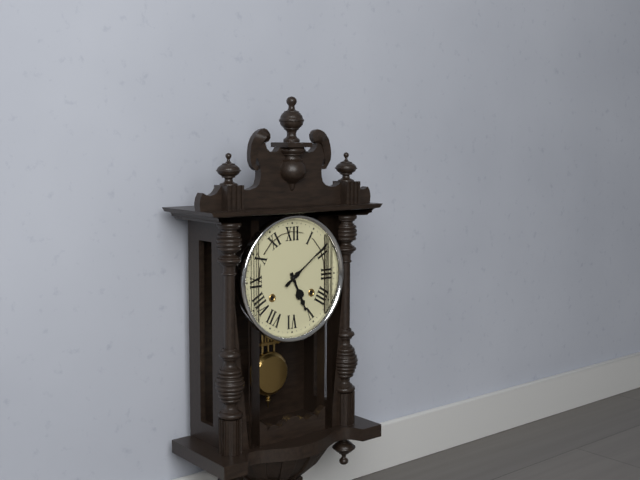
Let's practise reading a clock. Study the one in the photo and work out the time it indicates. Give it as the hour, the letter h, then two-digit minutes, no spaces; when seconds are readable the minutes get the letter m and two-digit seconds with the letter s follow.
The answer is 5h09
